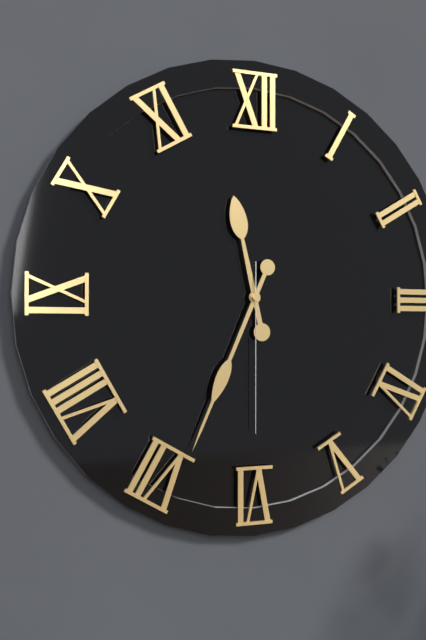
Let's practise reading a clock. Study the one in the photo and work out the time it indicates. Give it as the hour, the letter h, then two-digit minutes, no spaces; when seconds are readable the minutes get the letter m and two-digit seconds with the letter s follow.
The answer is 11h34m30s
